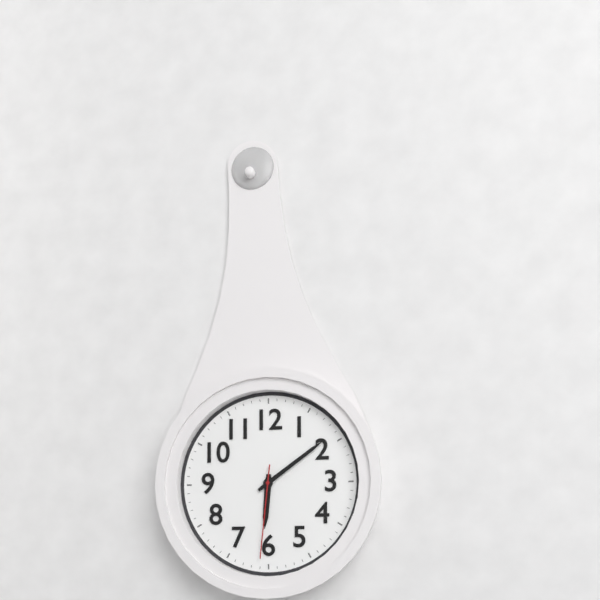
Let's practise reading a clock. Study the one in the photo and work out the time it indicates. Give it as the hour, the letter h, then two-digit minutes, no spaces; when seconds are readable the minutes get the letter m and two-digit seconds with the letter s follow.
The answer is 6h09m31s
